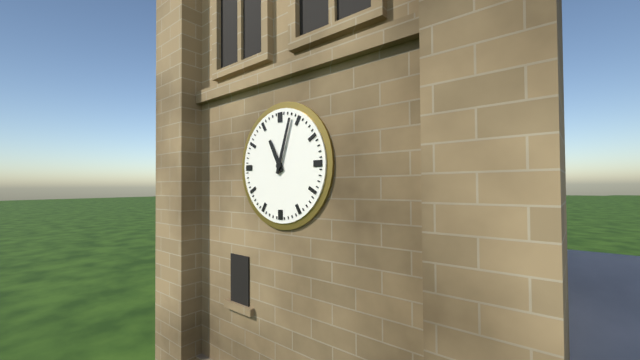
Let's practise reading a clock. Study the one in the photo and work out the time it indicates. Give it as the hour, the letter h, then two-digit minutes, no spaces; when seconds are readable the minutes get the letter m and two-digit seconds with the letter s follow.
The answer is 11h03
